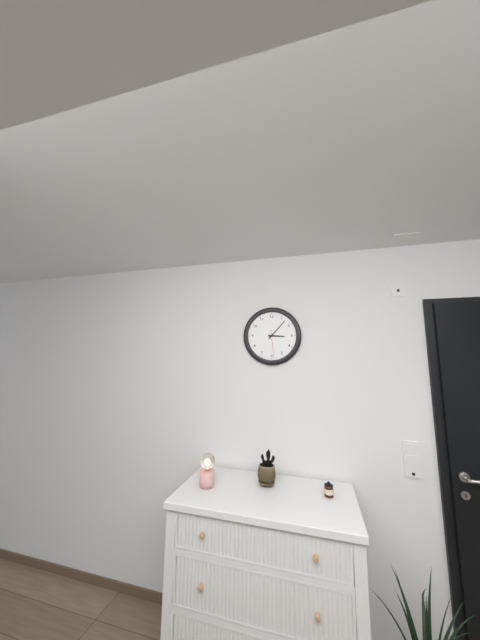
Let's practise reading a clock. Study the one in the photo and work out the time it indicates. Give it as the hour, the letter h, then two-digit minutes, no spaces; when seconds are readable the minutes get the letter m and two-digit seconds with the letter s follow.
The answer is 3h07
